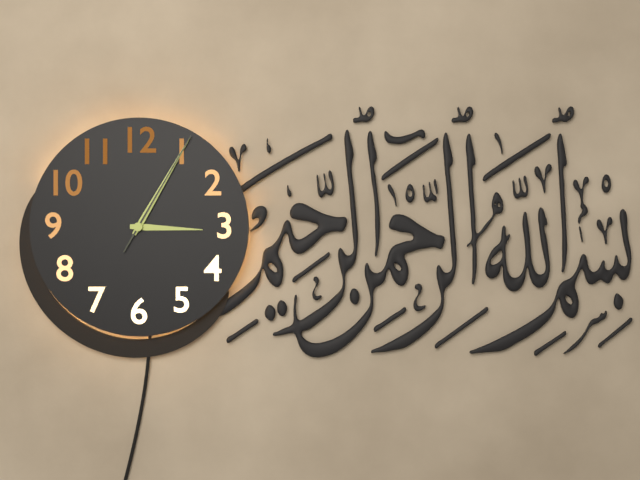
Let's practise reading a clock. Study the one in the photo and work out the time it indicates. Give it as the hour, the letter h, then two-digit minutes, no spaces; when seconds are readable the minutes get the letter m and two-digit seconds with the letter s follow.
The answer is 3h05m05s
